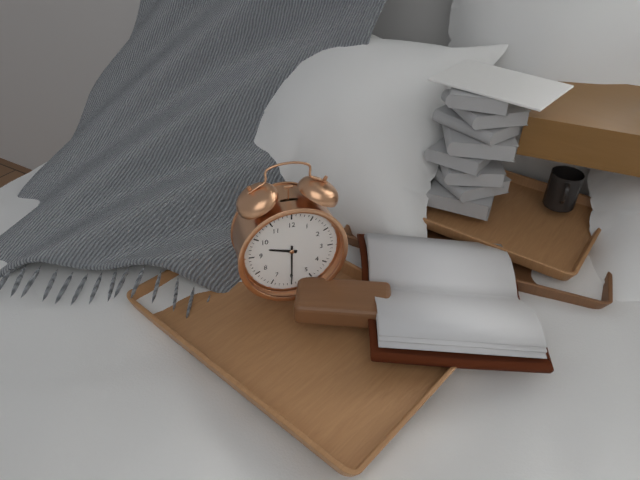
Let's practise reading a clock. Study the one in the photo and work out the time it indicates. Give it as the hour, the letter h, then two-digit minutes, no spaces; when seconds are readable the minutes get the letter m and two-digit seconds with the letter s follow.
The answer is 9h30
